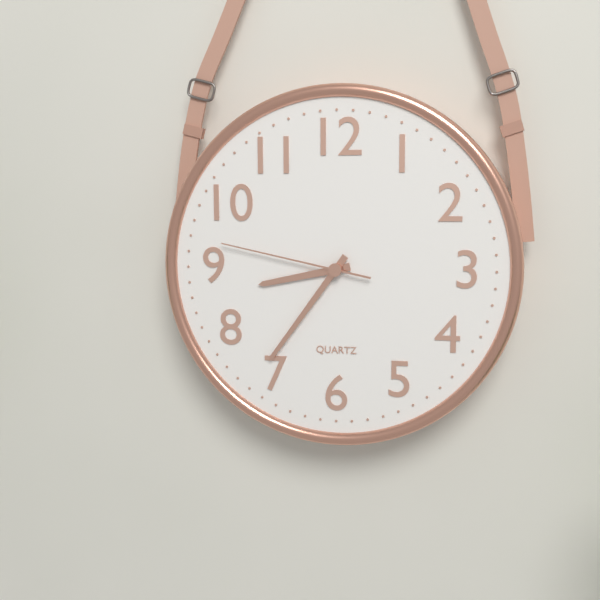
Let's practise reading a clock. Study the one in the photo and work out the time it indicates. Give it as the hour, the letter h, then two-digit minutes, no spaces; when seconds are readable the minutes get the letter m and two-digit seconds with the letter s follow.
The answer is 8h36m47s
